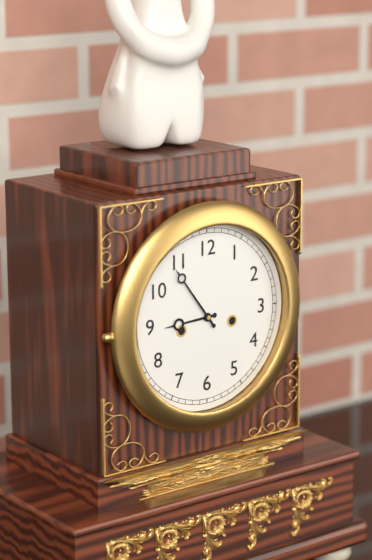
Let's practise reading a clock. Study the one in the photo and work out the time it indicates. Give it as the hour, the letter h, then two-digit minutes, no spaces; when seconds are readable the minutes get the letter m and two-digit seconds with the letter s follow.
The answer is 8h54
